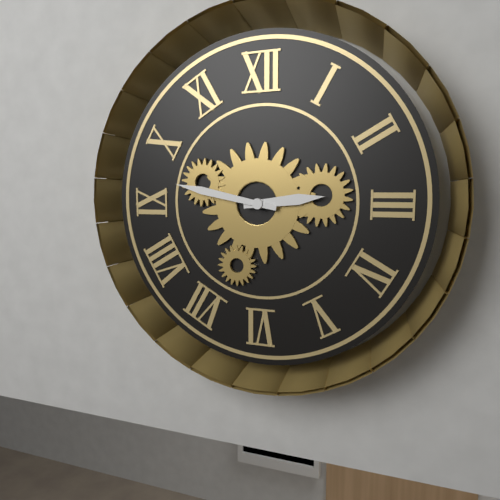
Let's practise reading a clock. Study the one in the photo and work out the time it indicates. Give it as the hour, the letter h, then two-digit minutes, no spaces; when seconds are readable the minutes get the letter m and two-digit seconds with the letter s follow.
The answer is 2h47
